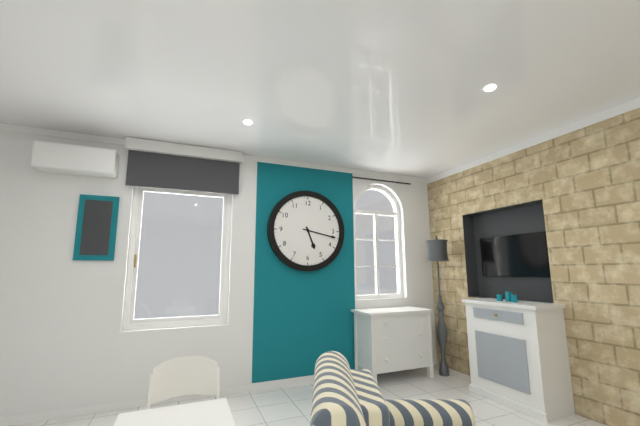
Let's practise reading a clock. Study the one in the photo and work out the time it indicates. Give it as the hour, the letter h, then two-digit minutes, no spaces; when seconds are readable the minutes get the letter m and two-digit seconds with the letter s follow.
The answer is 5h17
